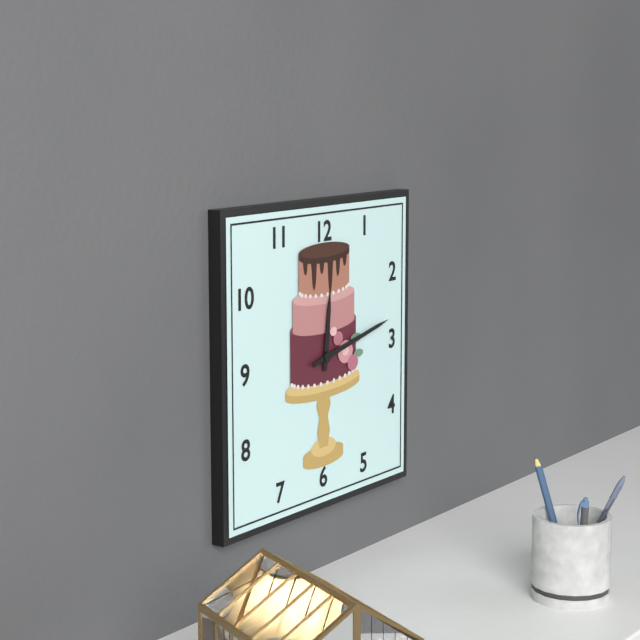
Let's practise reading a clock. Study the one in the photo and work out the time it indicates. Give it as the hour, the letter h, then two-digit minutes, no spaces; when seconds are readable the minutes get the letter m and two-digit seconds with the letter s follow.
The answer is 12h13
